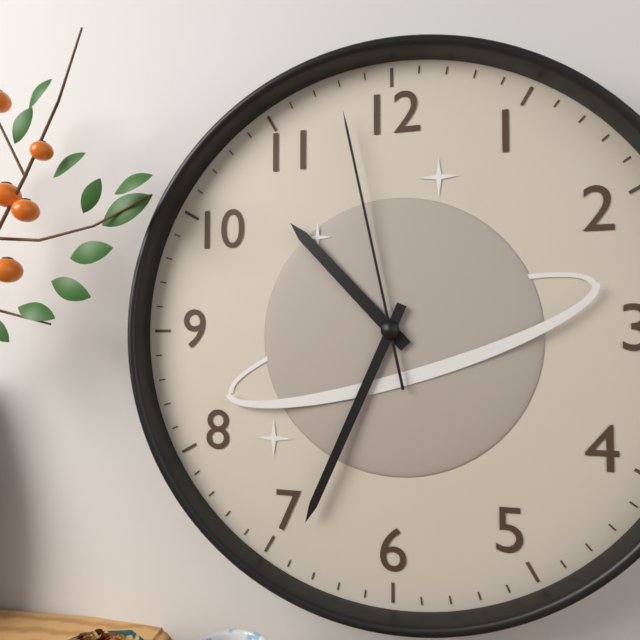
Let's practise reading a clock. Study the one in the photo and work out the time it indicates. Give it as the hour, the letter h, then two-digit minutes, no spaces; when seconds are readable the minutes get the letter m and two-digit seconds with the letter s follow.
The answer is 10h34m58s
